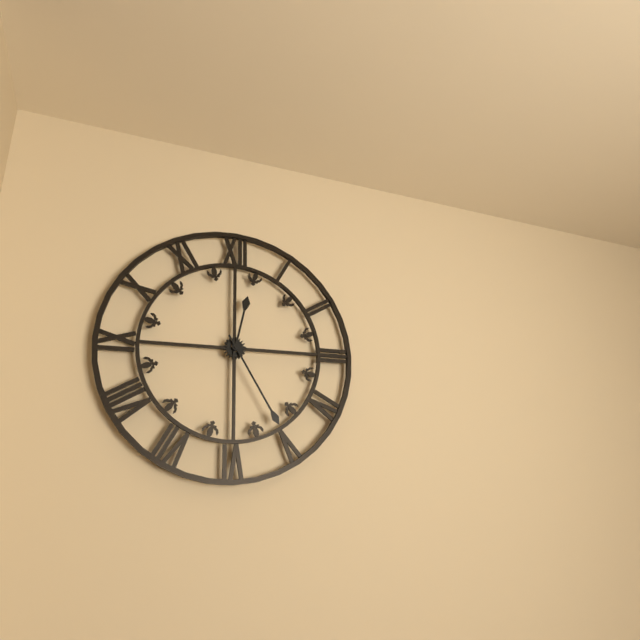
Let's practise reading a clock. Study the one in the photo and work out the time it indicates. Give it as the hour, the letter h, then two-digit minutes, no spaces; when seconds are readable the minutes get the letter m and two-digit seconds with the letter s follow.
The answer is 12h25
